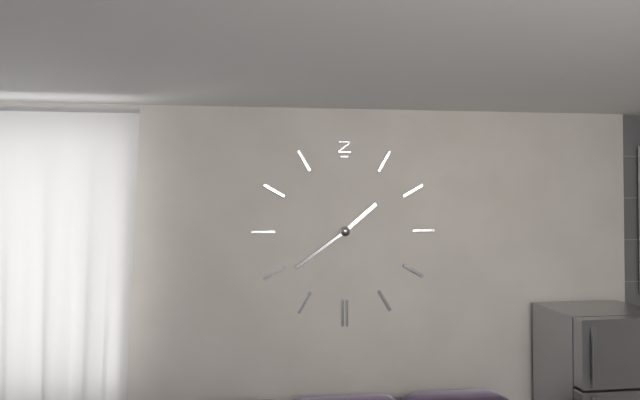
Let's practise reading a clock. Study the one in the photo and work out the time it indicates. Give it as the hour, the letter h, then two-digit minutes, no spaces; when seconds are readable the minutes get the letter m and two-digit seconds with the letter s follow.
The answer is 1h39
